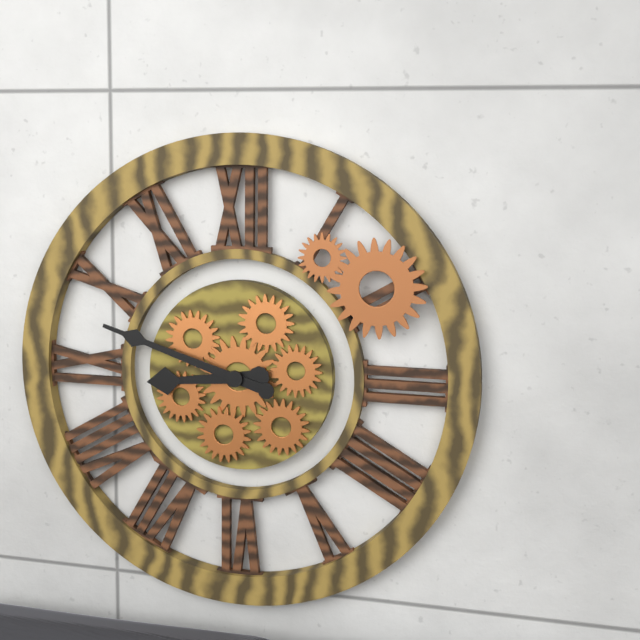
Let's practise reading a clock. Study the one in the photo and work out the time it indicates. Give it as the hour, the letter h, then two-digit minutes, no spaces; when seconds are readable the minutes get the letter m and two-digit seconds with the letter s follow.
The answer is 8h48
